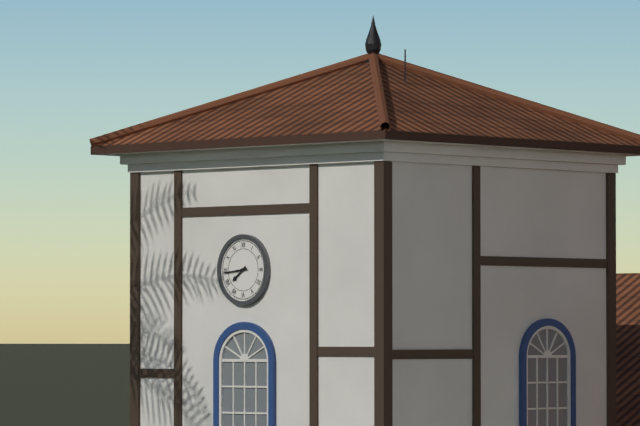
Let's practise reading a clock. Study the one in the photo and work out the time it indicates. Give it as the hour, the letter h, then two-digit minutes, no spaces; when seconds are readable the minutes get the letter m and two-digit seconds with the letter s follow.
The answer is 7h44
